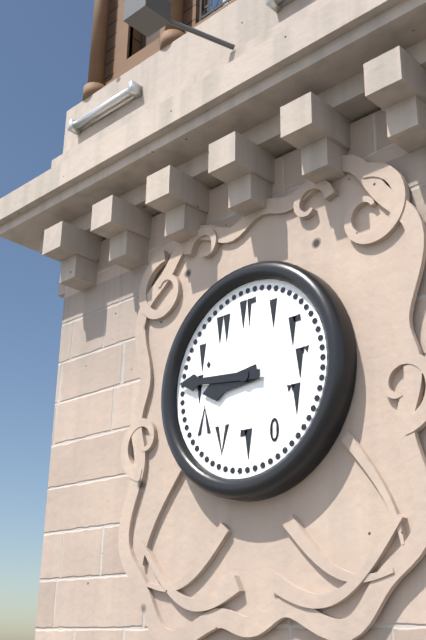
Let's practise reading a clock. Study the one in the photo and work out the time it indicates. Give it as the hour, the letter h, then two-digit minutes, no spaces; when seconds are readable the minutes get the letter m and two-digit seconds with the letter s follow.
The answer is 8h46
